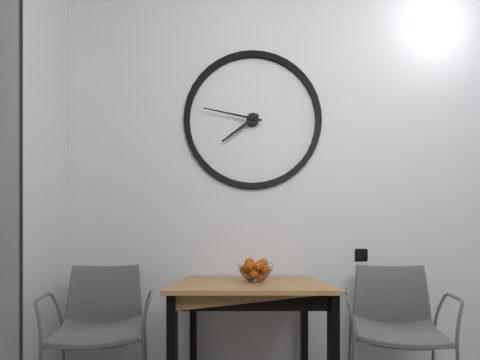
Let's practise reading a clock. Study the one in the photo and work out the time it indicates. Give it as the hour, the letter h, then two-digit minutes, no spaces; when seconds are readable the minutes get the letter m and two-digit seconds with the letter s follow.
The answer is 7h47
